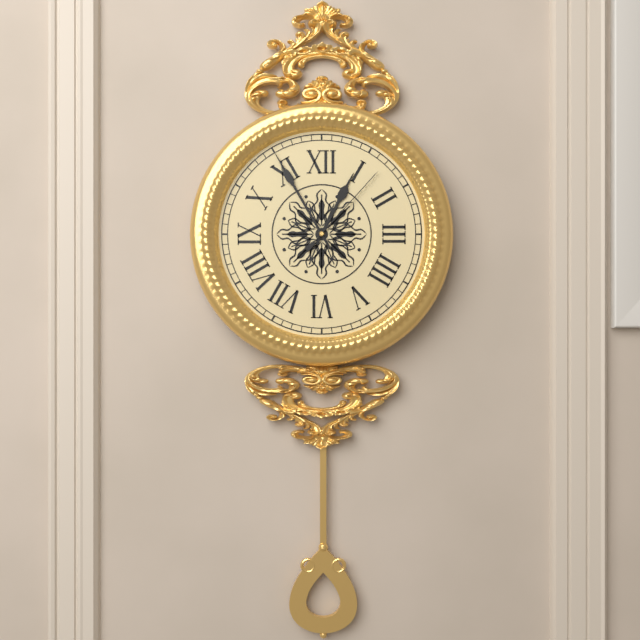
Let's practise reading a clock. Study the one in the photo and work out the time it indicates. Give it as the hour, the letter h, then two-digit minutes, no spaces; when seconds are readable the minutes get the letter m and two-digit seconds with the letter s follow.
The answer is 12h55m07s
